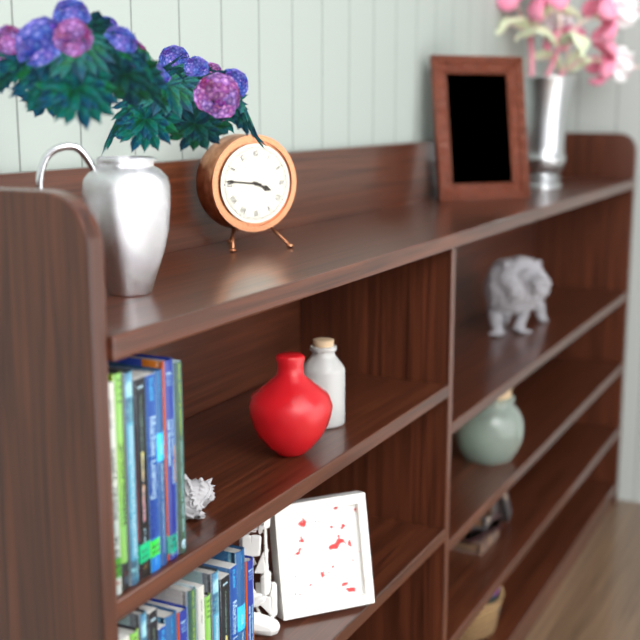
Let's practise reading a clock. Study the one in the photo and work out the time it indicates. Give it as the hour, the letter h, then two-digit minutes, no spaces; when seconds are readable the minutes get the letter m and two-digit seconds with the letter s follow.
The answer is 3h46
